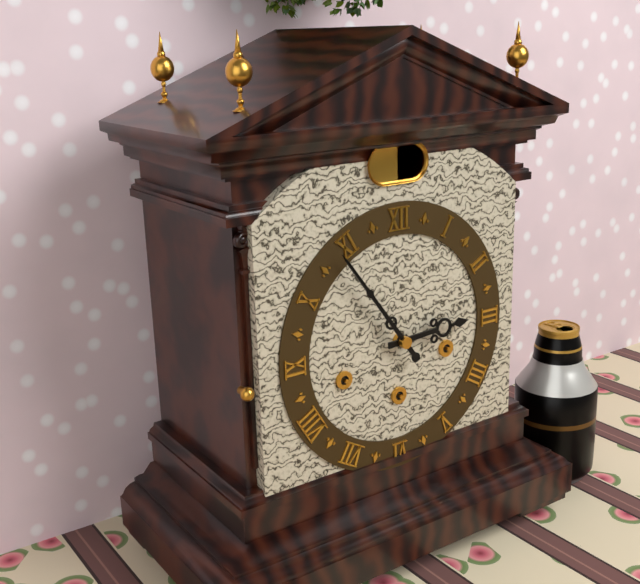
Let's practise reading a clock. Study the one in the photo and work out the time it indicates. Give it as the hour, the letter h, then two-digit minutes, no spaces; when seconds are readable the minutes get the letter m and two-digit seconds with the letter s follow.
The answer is 2h54
